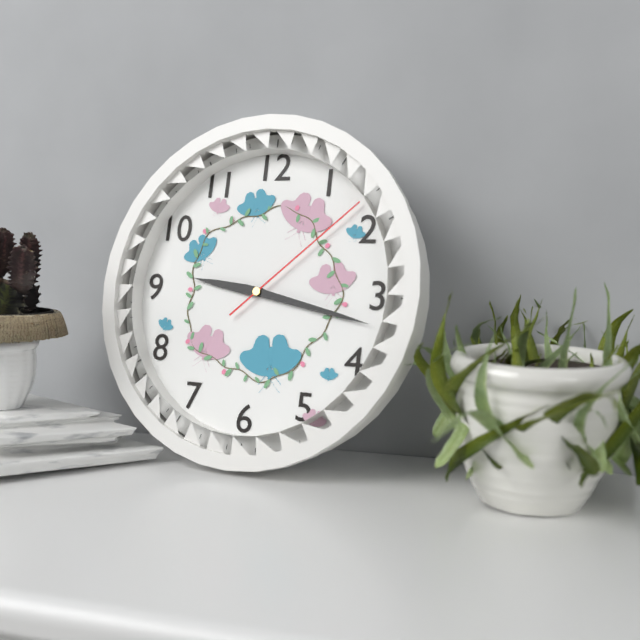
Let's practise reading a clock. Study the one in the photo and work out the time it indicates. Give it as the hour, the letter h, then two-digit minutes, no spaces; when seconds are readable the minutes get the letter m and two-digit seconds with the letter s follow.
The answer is 9h17m08s
